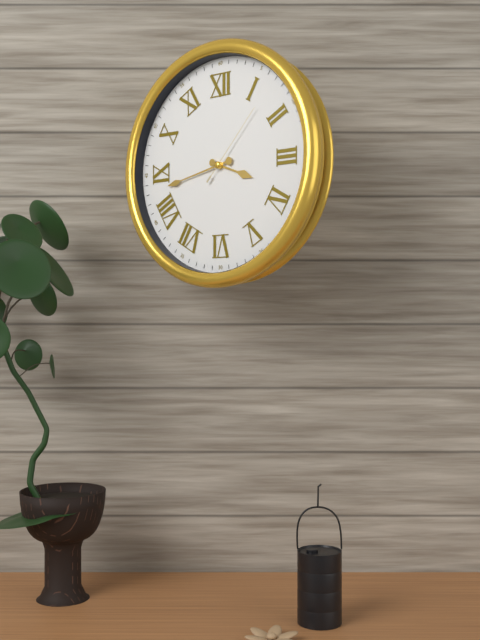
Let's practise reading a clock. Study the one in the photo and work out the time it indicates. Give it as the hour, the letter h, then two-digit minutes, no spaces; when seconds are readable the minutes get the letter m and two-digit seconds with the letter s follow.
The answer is 3h43m07s
